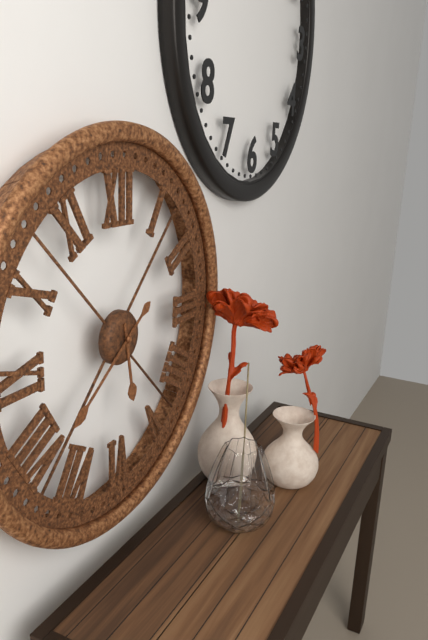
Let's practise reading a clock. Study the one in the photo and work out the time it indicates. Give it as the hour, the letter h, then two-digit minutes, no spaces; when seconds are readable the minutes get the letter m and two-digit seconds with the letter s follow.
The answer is 5h39
